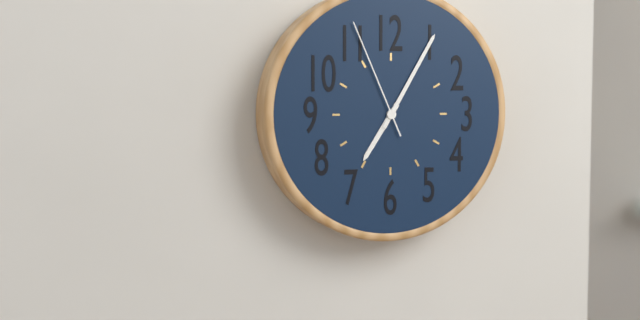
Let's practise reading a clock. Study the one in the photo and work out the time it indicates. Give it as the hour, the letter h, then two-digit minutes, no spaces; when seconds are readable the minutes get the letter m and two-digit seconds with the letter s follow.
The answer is 7h05m56s
